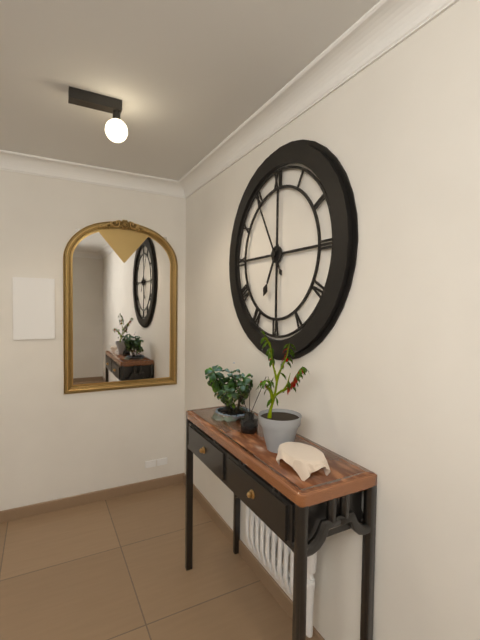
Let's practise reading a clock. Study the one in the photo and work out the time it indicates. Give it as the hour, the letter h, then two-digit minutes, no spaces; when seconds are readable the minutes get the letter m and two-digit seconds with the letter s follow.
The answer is 6h55
